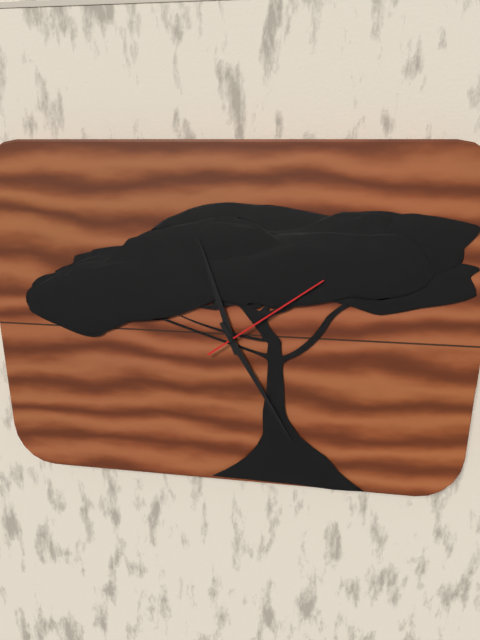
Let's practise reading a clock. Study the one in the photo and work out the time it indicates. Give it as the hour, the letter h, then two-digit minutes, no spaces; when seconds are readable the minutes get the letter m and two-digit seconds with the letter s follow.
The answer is 11h25m09s
